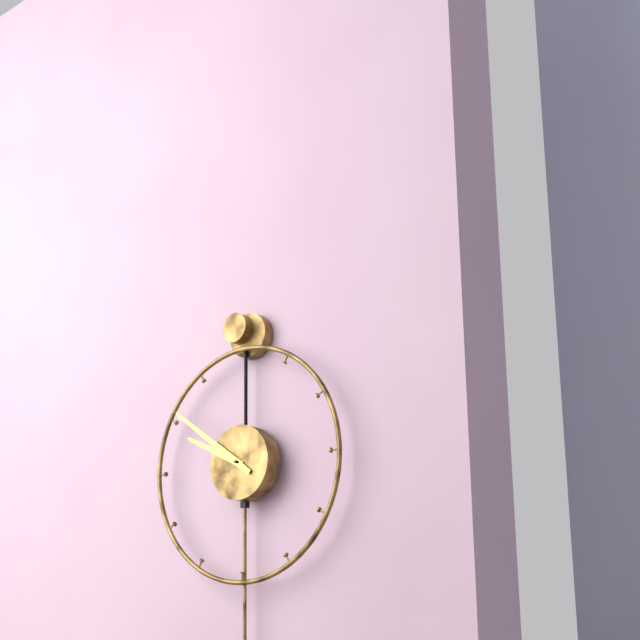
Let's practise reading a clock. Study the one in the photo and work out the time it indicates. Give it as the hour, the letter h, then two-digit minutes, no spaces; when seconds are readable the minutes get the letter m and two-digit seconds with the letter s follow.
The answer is 9h51
